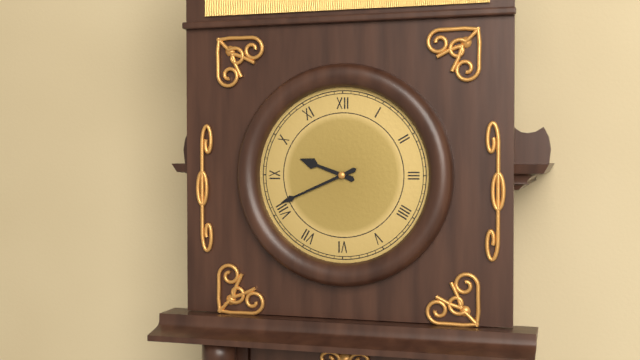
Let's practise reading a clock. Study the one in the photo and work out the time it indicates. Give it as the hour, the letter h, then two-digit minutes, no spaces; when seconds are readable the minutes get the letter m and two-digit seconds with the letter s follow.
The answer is 9h41
